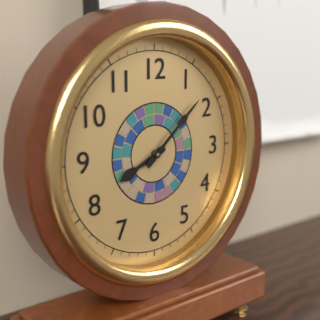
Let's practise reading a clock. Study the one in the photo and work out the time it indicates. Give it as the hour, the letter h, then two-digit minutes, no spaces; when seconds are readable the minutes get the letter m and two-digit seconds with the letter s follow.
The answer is 8h08
